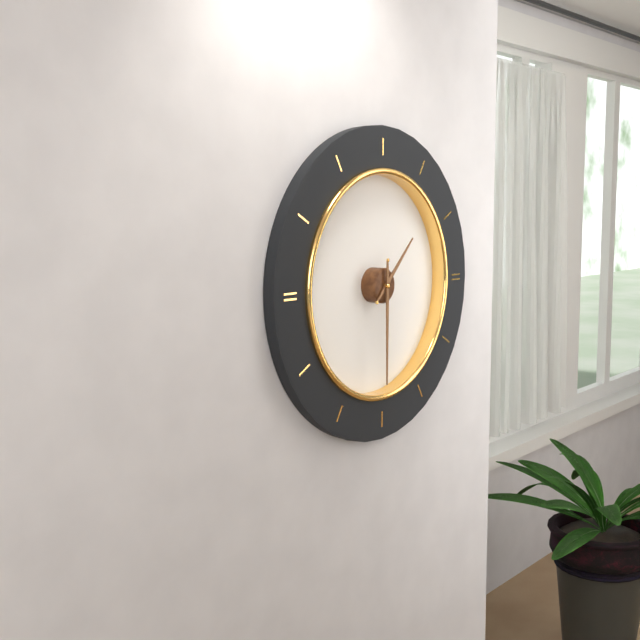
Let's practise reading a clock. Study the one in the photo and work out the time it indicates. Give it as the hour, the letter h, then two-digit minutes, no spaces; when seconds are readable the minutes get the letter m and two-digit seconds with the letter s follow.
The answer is 1h30
